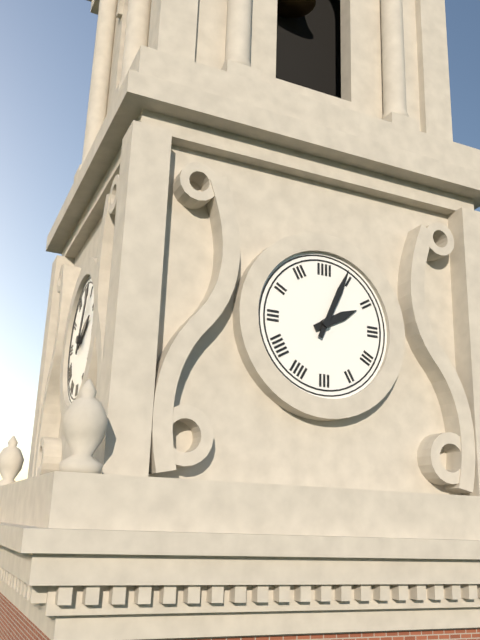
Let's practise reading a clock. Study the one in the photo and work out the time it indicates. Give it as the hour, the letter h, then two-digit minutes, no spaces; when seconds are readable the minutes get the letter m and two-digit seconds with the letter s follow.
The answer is 2h04
